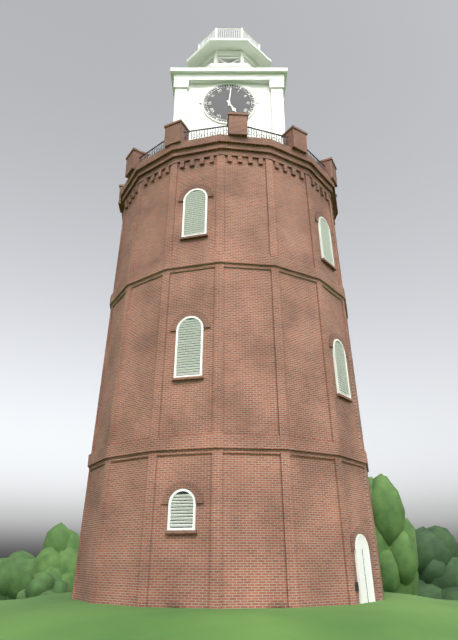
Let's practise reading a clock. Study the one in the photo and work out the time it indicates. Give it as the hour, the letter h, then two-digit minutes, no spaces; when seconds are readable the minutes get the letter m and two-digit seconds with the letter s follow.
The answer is 5h01
